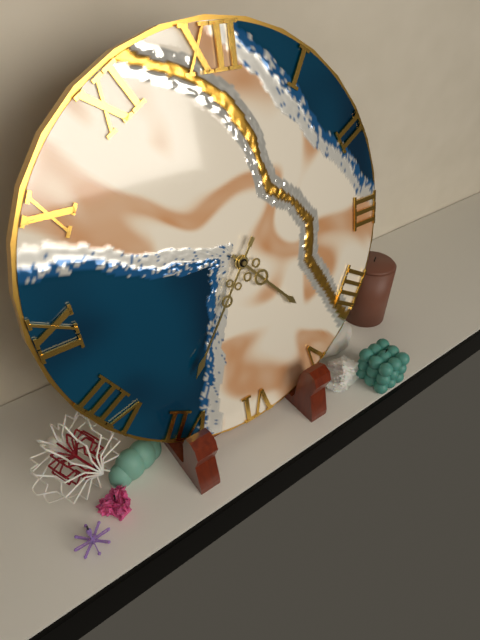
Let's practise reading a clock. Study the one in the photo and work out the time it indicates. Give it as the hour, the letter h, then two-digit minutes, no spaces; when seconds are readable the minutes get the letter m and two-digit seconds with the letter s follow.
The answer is 4h36
